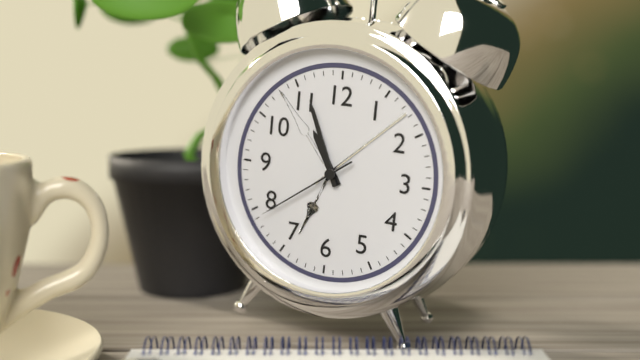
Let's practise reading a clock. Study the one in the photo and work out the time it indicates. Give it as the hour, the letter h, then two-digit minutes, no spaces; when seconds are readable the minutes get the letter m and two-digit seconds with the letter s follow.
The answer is 10h56m39s
